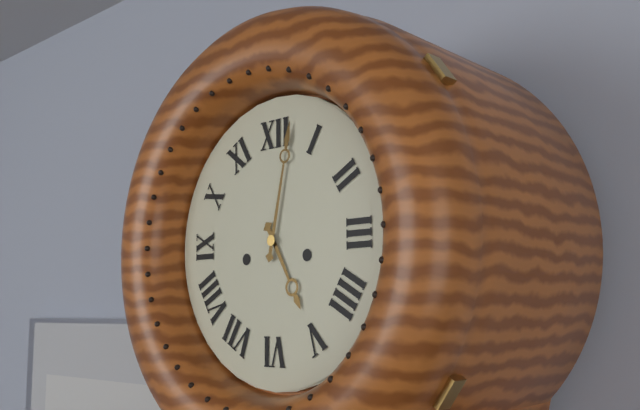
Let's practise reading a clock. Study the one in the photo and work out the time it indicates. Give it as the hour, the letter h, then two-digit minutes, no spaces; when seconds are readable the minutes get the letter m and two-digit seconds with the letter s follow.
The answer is 5h02
